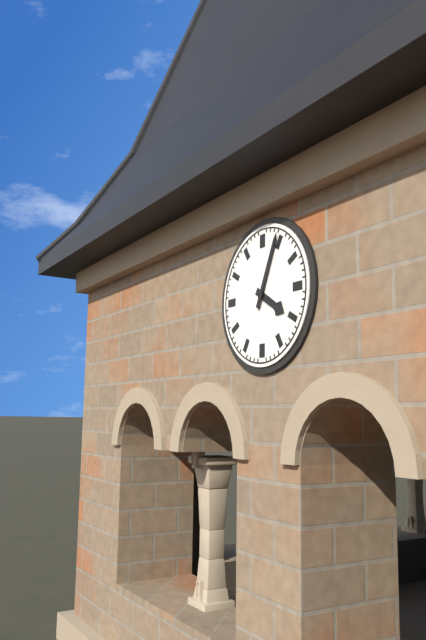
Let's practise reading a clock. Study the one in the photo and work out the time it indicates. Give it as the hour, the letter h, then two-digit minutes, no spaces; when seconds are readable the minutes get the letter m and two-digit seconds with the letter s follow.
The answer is 4h04
